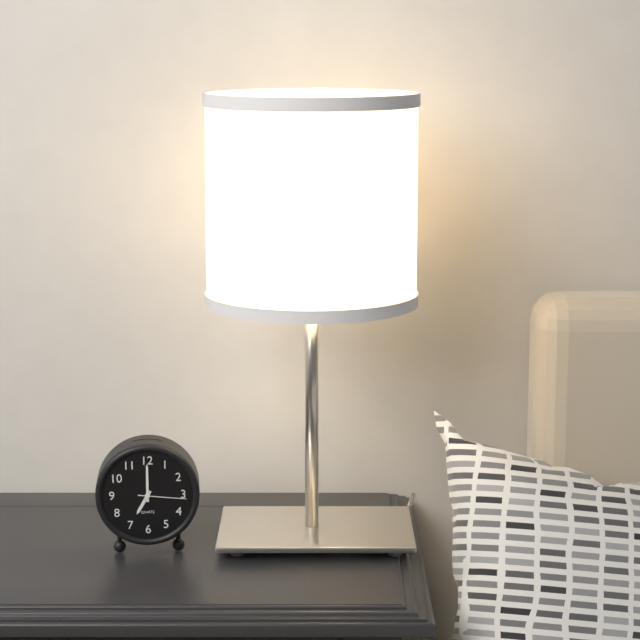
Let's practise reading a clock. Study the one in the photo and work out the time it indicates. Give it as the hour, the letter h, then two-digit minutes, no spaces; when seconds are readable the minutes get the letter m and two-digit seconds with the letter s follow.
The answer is 7h00
